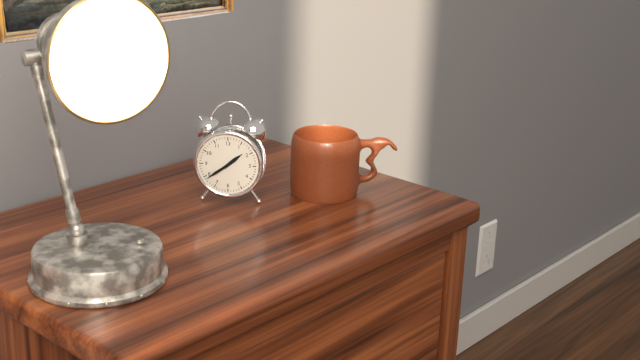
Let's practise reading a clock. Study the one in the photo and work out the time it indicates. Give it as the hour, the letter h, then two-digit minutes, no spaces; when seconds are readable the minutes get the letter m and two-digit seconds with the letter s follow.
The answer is 1h39
